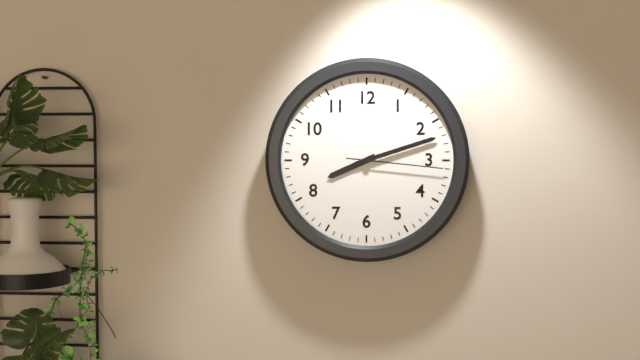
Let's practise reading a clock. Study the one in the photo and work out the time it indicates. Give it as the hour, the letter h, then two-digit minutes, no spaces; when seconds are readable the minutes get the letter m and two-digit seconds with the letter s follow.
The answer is 8h12m16s
